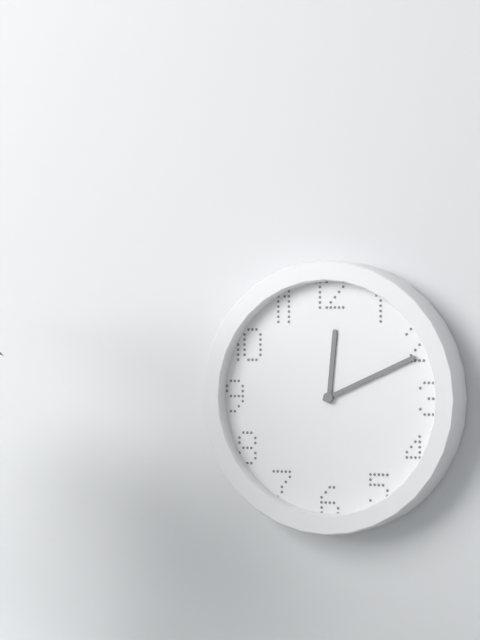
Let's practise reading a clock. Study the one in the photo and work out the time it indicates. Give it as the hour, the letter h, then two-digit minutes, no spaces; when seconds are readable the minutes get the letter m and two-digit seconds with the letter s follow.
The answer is 12h11
